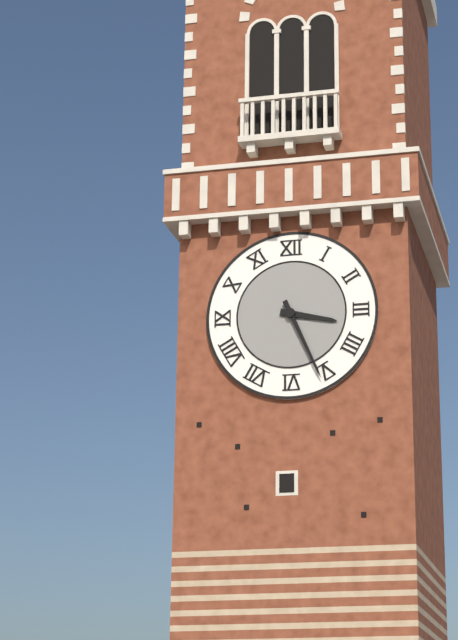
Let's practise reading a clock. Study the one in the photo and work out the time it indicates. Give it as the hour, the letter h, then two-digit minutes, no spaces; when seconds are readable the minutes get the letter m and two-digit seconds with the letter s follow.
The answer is 3h26
